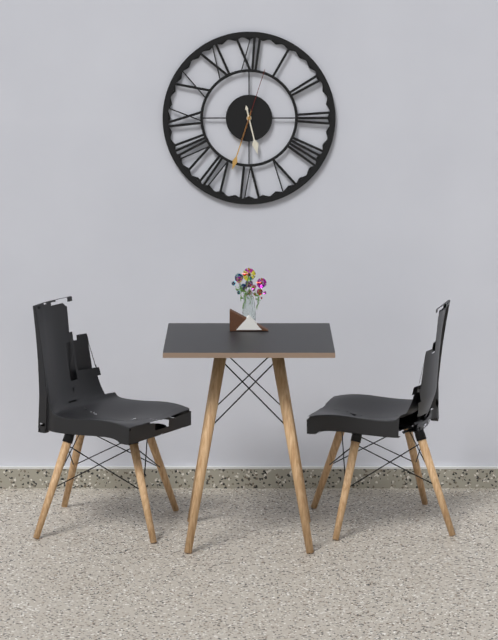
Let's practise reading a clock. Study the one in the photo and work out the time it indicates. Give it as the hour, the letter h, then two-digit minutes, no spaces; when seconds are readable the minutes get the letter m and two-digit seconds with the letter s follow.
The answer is 5h33m03s
